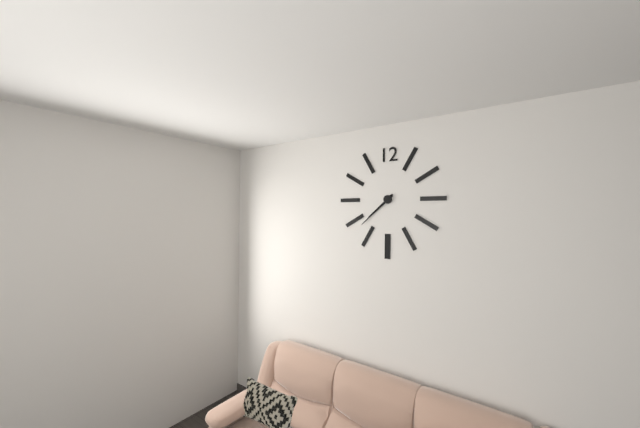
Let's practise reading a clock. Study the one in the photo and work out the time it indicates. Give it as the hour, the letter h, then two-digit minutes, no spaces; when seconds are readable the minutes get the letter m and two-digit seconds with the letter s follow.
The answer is 7h38
